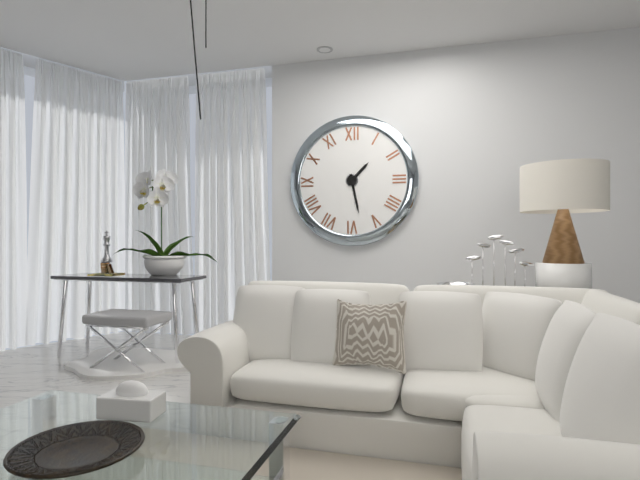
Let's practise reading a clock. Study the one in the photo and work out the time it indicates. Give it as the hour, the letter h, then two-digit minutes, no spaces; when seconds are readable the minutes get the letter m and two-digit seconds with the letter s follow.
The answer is 1h28
